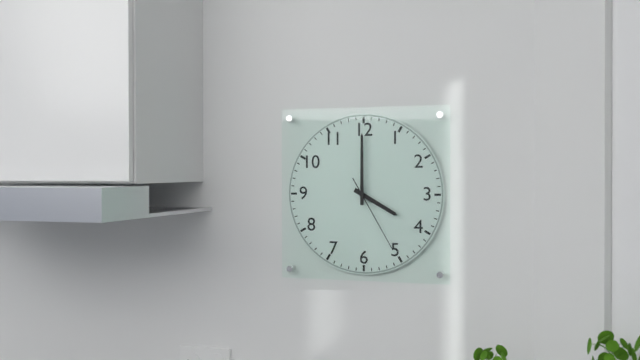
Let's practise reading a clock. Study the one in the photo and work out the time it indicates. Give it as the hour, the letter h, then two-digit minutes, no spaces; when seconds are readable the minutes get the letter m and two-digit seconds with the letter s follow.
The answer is 4h00m25s
